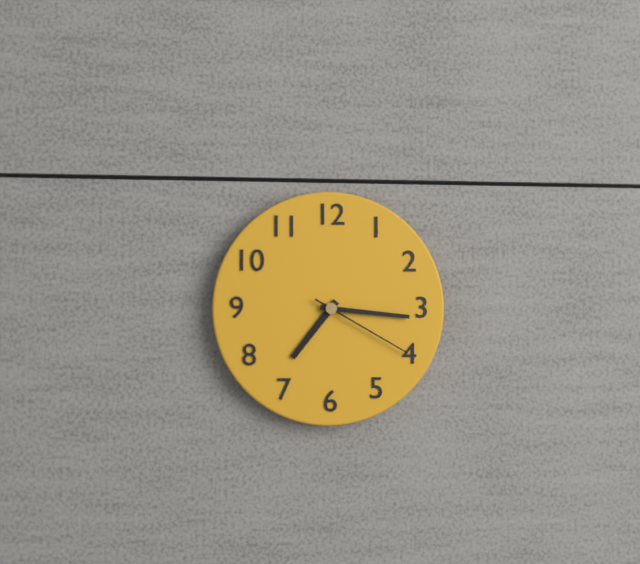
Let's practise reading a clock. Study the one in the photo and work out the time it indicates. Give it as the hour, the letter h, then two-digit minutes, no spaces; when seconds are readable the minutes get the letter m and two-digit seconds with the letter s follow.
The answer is 7h16m20s
